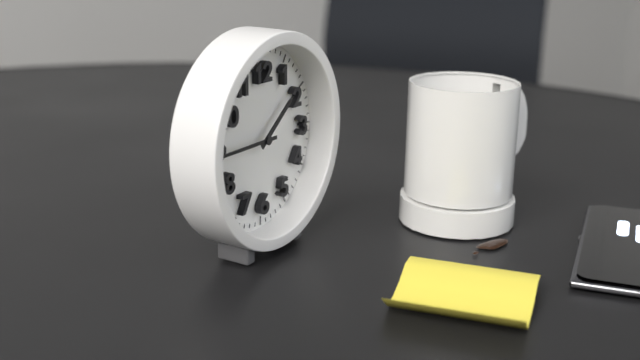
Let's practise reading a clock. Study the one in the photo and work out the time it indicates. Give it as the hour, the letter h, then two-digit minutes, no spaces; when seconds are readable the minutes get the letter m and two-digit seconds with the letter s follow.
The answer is 1h45
